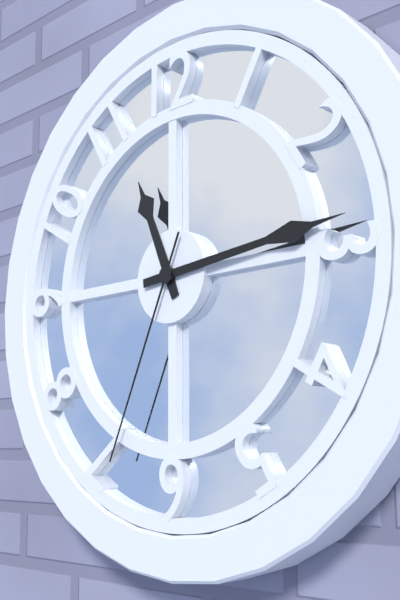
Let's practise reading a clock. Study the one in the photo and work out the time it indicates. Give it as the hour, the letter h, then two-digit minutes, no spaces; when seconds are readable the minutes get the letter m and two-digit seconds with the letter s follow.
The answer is 11h14m34s
